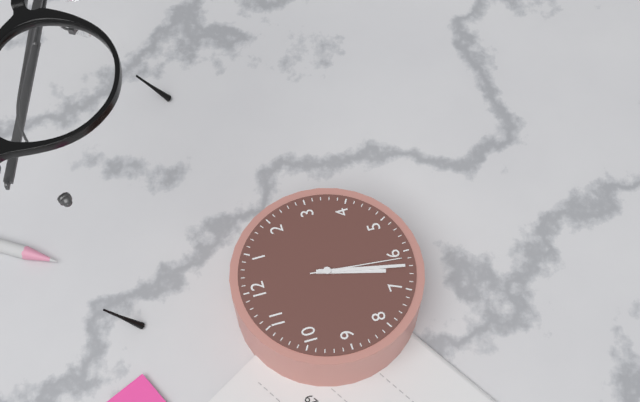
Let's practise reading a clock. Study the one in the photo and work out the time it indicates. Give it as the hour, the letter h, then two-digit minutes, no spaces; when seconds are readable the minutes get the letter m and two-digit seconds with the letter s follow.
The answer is 6h32m31s
